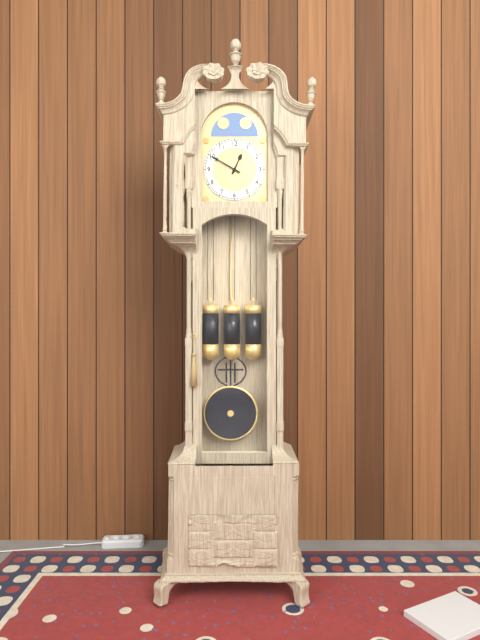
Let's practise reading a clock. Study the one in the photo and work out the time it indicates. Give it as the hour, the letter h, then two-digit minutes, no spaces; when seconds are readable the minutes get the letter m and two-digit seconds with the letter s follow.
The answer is 12h50
